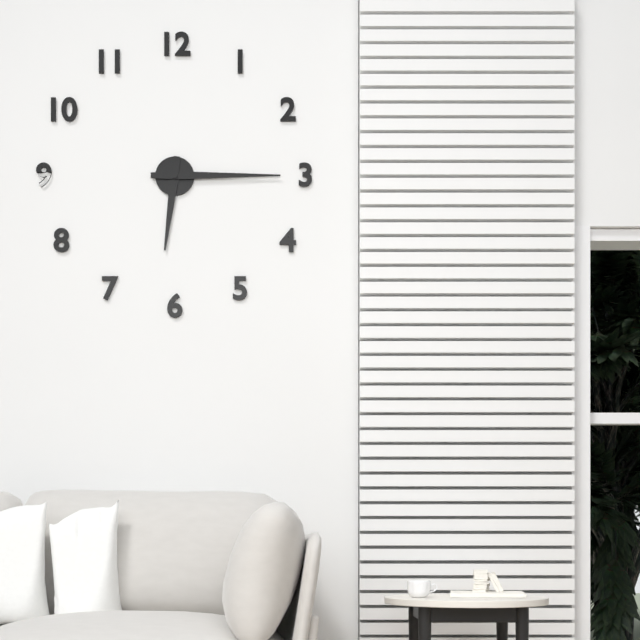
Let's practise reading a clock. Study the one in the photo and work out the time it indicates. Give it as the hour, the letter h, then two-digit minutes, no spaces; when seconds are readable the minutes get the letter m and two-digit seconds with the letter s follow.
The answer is 6h15
